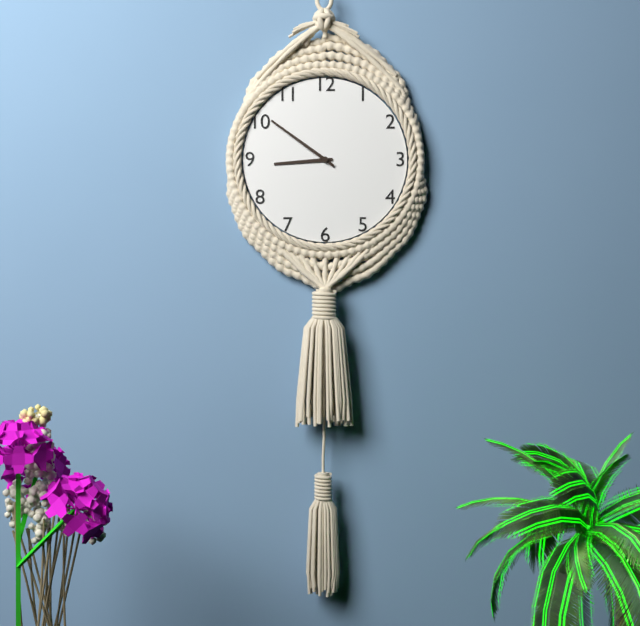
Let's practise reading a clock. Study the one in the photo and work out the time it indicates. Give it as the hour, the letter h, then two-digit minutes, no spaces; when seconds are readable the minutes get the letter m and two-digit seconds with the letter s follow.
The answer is 8h51
